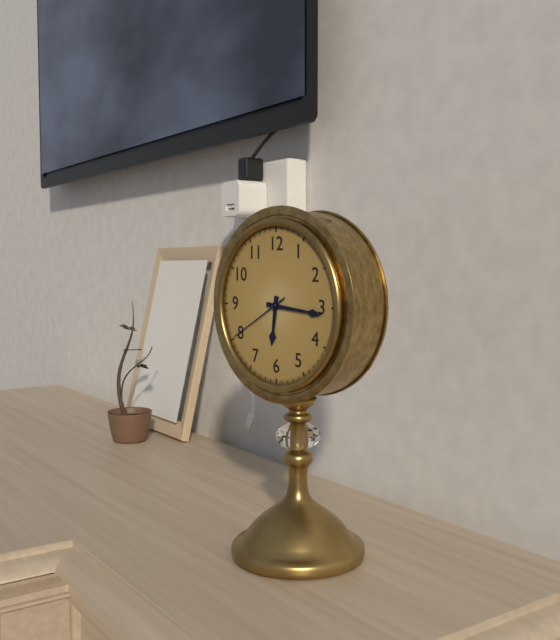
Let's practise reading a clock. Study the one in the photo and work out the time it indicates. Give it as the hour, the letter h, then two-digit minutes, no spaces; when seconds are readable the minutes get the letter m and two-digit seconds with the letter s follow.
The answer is 6h16m40s
